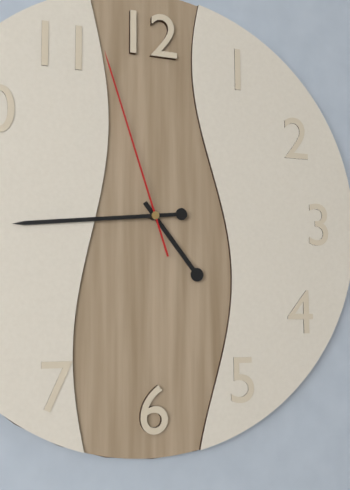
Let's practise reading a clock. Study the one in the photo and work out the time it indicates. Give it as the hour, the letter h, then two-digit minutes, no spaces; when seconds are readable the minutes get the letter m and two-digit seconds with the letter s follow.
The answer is 4h44m57s
